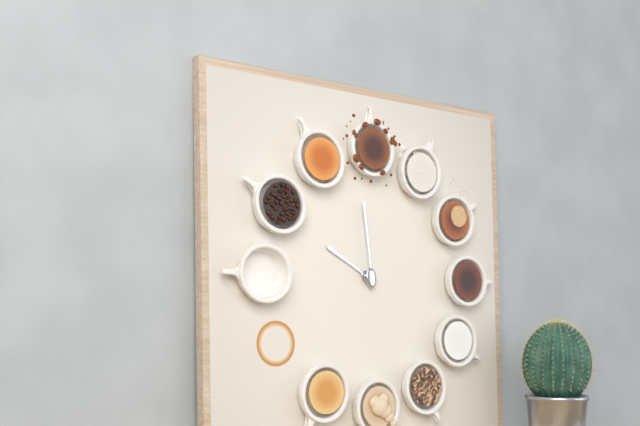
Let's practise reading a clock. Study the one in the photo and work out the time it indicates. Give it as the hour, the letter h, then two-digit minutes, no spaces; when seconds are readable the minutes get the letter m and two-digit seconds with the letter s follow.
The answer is 9h59
